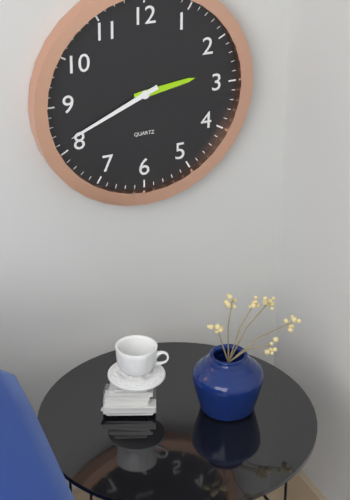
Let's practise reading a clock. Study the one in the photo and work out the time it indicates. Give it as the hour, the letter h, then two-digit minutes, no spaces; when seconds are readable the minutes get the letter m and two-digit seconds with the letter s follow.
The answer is 2h41
